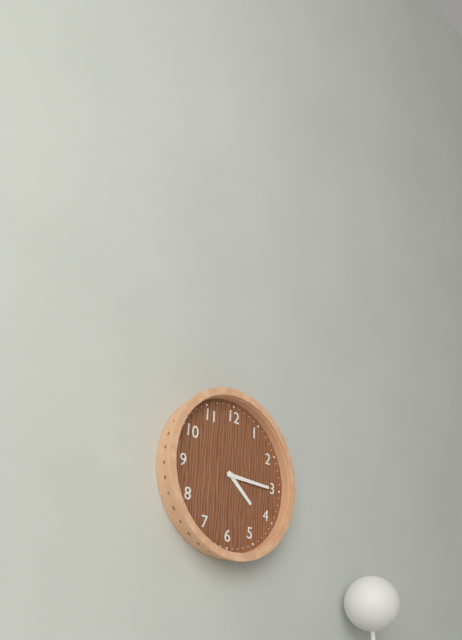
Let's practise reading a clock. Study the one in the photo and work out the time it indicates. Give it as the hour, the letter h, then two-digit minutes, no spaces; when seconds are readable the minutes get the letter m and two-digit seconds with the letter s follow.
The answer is 4h15
